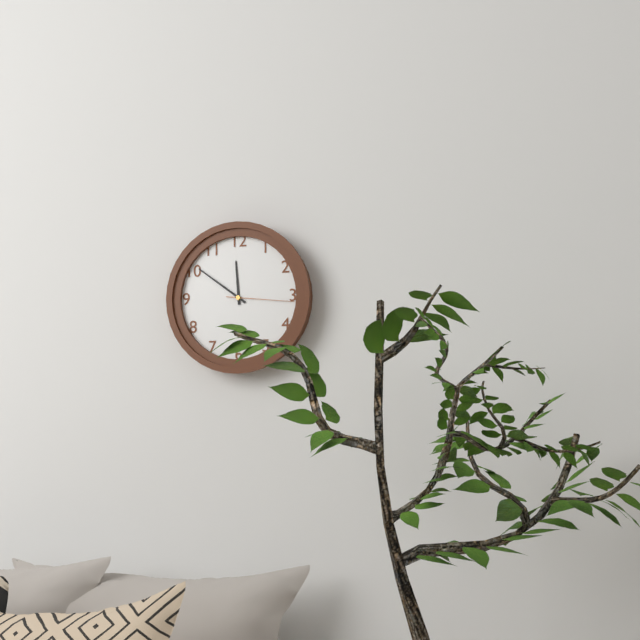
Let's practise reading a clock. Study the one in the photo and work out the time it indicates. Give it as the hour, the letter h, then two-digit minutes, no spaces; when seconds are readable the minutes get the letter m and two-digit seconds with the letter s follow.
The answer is 11h51m16s
